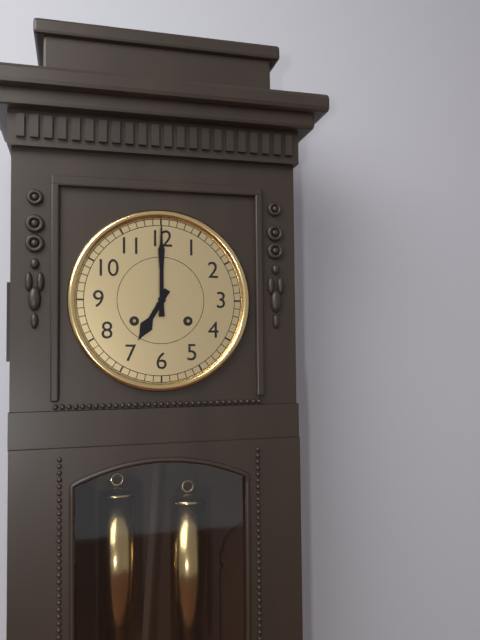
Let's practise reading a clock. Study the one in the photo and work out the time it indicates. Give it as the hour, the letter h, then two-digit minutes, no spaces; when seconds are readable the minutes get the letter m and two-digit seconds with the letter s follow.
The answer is 7h00
